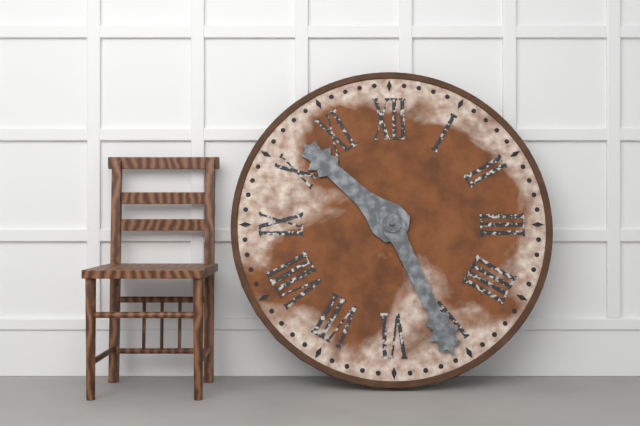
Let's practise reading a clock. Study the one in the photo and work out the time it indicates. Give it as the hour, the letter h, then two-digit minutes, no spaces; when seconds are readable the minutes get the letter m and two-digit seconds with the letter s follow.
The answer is 10h26
